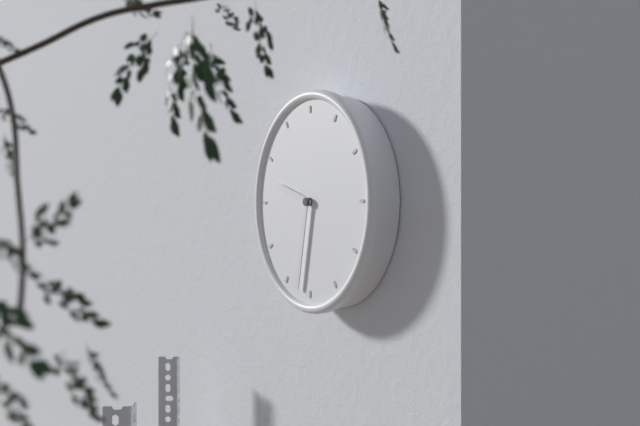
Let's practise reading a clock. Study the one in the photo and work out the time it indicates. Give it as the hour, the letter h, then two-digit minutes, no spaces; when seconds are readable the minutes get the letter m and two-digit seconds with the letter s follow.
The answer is 9h32
